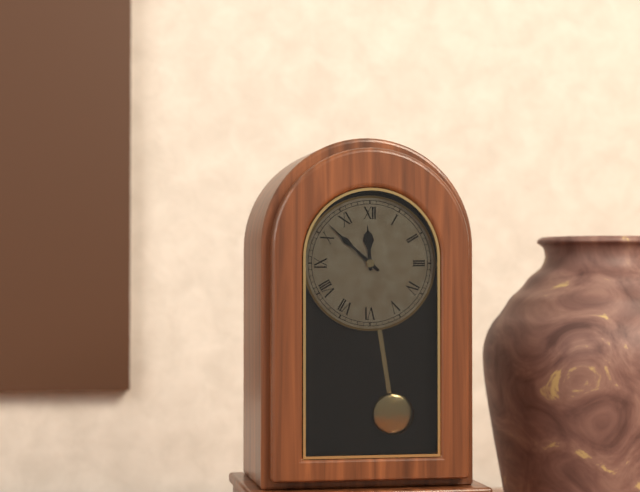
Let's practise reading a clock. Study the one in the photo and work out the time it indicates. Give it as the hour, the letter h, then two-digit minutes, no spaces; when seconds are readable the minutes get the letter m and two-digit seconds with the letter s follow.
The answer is 11h52
